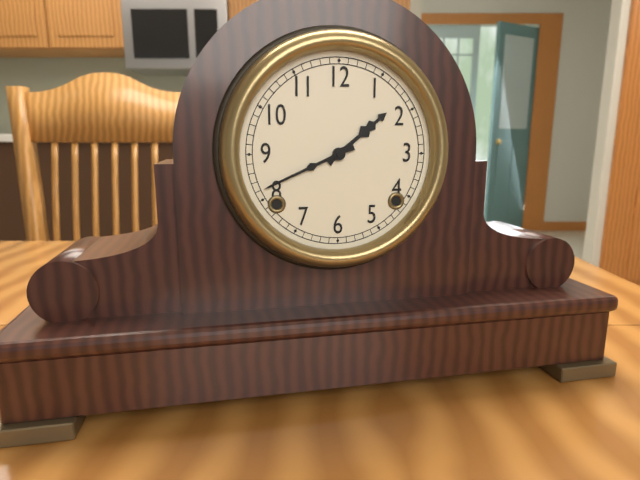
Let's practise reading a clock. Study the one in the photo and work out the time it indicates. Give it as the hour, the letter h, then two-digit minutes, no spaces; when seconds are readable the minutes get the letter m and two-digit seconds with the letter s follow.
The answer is 1h41
